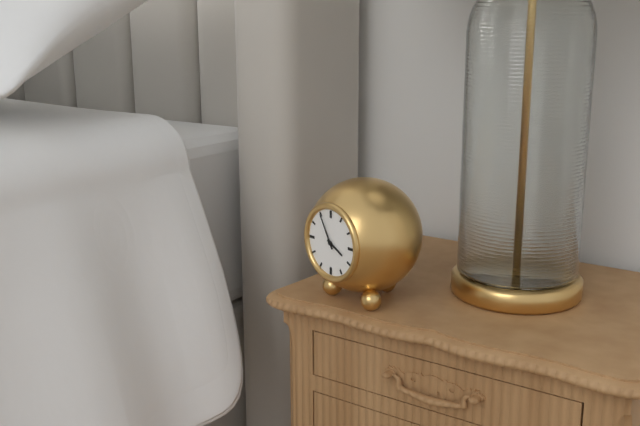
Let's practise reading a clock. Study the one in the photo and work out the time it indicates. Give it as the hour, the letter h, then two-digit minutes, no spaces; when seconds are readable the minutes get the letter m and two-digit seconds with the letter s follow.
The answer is 3h55
